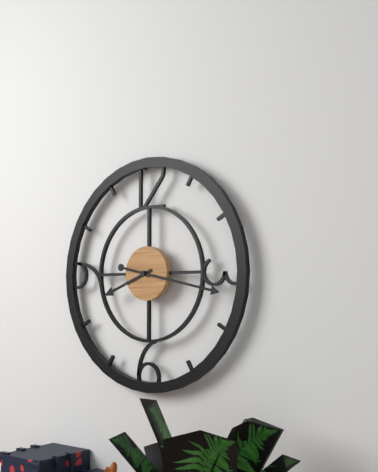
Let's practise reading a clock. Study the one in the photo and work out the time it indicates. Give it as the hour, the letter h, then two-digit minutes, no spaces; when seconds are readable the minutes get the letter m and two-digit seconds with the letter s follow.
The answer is 8h17
